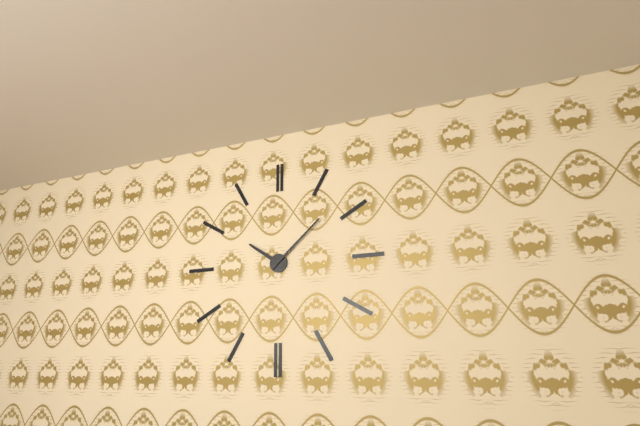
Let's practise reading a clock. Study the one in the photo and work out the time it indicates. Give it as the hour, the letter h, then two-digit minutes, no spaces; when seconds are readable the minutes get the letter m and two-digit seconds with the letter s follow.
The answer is 10h08
